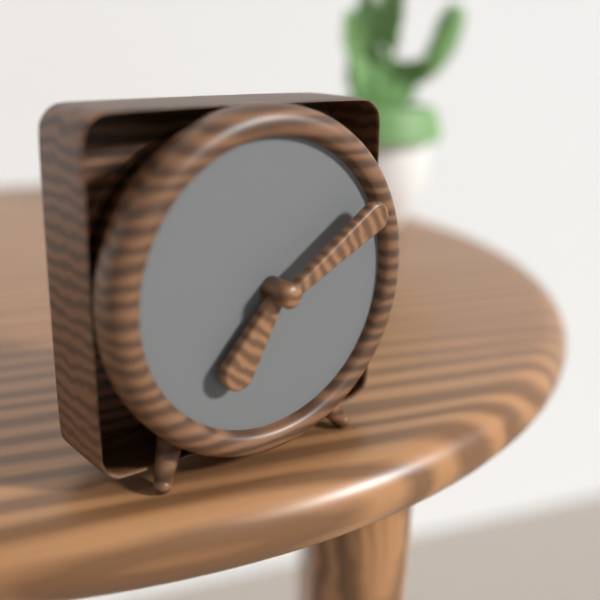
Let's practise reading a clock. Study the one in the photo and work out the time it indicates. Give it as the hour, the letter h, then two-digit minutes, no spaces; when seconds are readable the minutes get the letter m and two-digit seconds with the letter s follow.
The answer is 7h10
